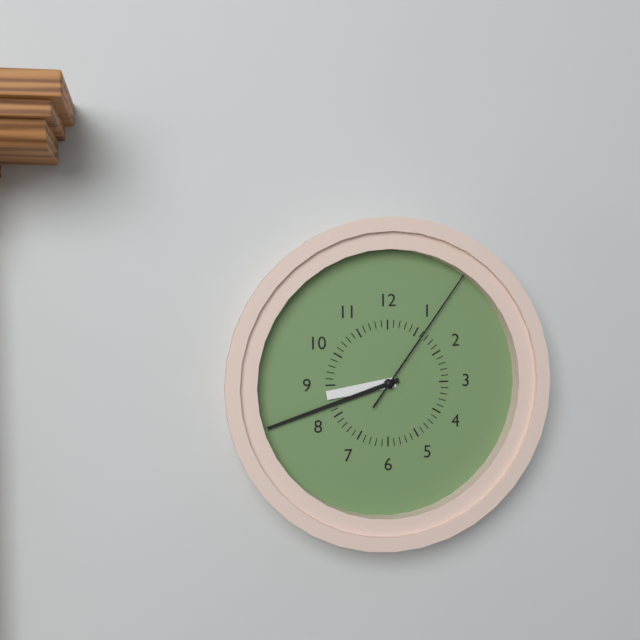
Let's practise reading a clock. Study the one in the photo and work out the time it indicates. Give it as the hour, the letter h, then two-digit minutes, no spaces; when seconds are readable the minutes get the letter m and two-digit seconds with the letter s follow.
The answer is 8h42m06s
